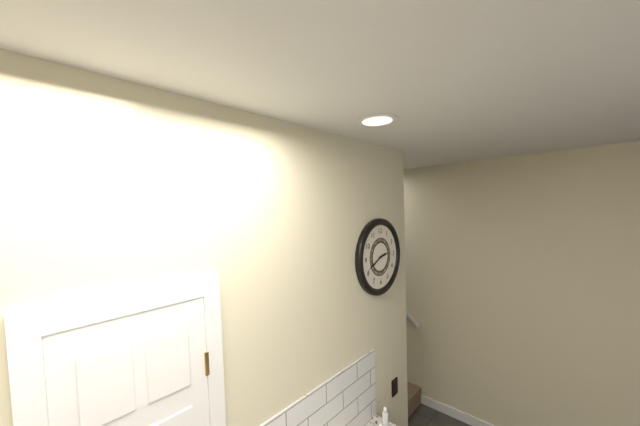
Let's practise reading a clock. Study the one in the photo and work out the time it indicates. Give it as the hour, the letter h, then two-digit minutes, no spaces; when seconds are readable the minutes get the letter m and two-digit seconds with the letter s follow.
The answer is 2h41
